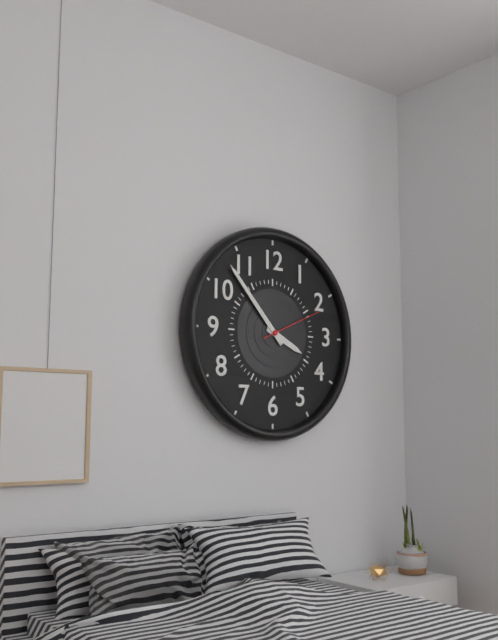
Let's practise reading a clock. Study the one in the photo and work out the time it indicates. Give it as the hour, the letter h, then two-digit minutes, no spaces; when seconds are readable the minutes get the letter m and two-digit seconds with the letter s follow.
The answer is 3h53m11s
